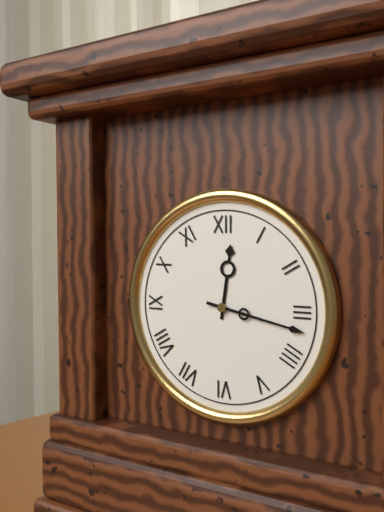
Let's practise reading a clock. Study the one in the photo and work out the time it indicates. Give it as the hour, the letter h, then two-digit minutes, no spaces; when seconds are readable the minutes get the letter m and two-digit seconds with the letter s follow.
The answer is 12h17
